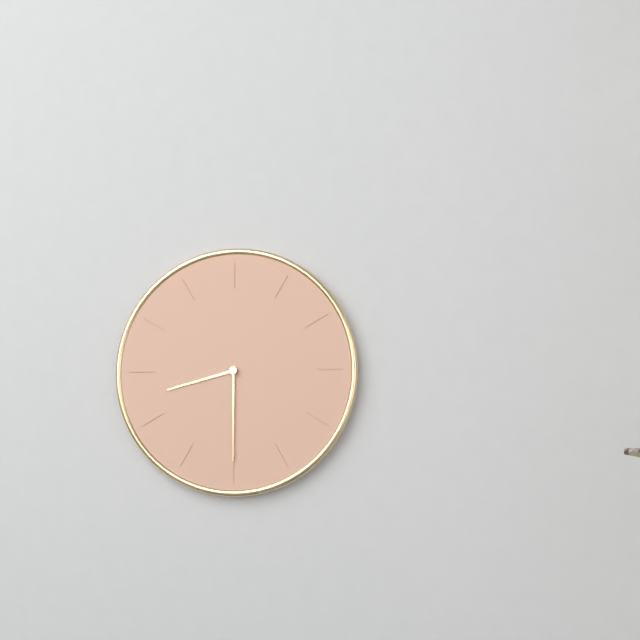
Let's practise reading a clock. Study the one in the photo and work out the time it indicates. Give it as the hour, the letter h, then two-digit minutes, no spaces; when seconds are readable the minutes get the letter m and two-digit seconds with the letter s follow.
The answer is 8h30
